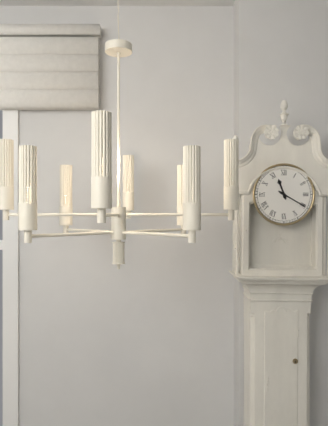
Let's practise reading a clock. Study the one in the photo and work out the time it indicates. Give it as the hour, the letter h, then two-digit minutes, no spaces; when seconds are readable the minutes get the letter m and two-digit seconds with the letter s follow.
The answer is 11h20
